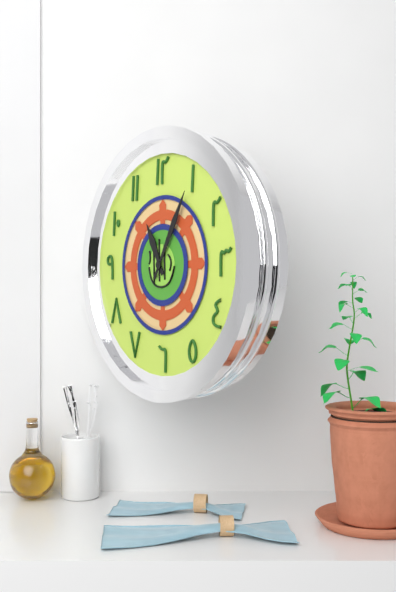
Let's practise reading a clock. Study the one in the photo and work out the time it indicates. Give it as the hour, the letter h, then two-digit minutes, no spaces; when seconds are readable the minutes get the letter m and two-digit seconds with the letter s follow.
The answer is 11h05
